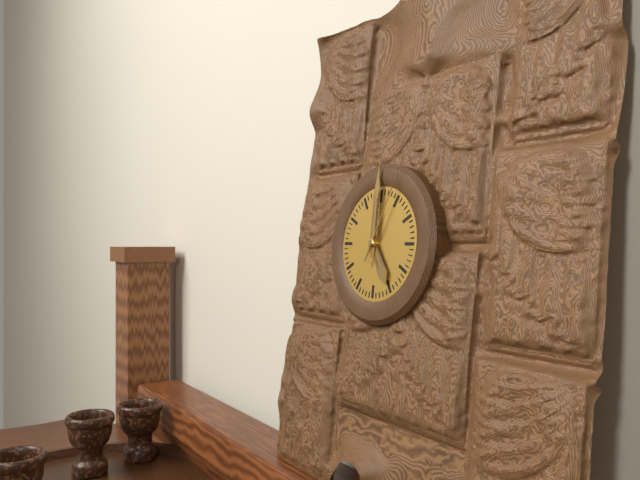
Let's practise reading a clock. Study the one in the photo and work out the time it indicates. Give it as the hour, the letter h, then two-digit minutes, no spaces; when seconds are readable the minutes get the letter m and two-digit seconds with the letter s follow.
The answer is 5h00m04s
